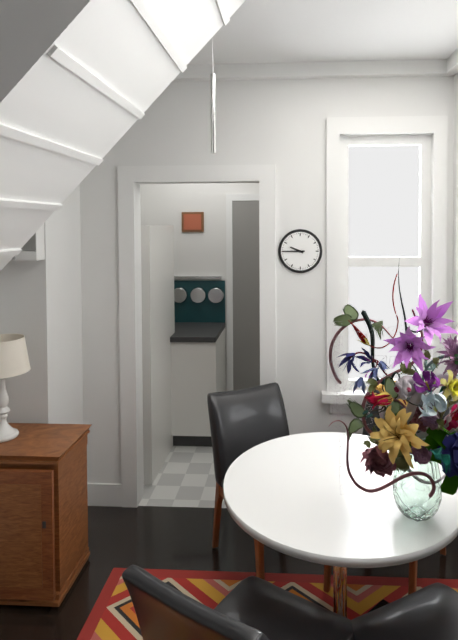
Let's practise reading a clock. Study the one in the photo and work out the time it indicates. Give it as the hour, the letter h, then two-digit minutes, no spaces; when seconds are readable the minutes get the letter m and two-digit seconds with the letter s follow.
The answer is 9h45
